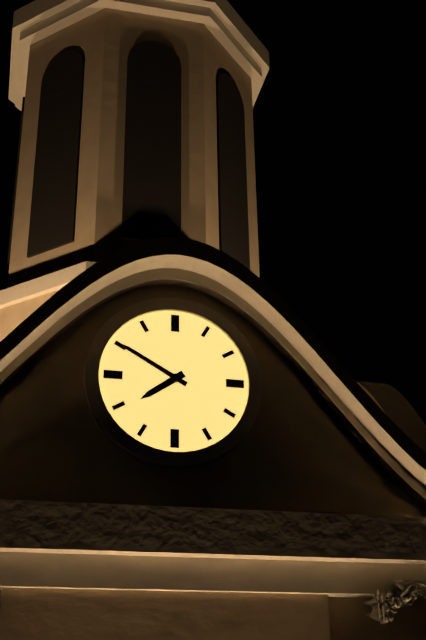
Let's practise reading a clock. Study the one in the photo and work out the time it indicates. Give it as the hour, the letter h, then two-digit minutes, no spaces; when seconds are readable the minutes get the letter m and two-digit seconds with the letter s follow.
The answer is 7h50
